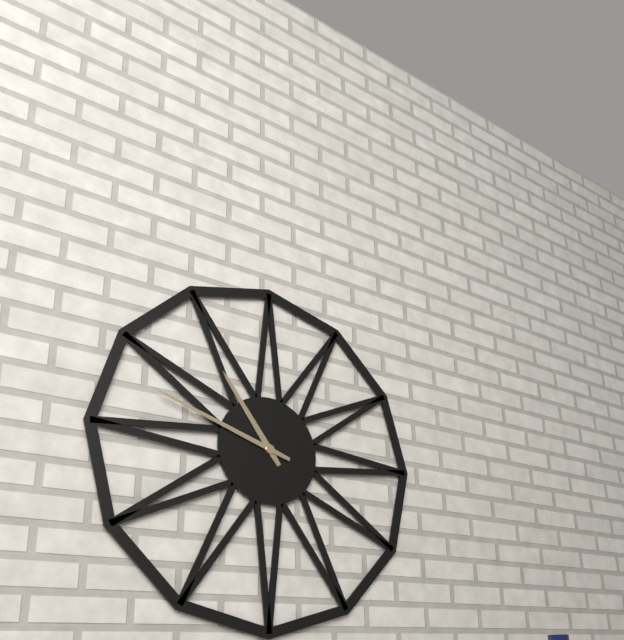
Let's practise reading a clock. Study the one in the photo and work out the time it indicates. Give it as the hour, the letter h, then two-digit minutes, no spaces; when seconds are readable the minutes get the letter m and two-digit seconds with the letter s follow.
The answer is 10h48
